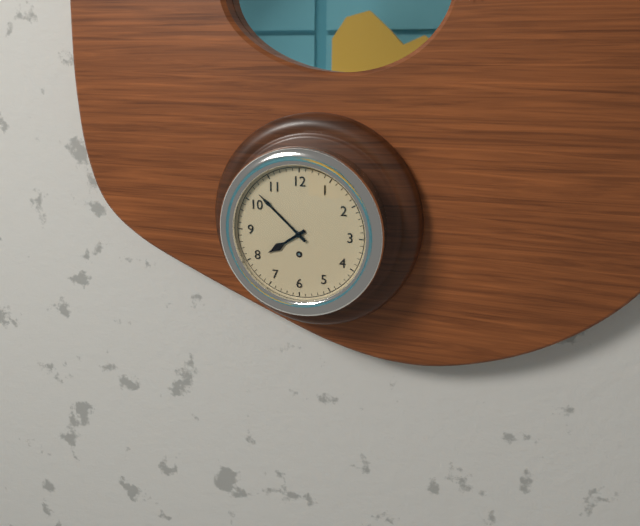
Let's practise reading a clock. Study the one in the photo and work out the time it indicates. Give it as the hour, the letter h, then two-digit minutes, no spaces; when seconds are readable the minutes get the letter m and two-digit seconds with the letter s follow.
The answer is 7h52
